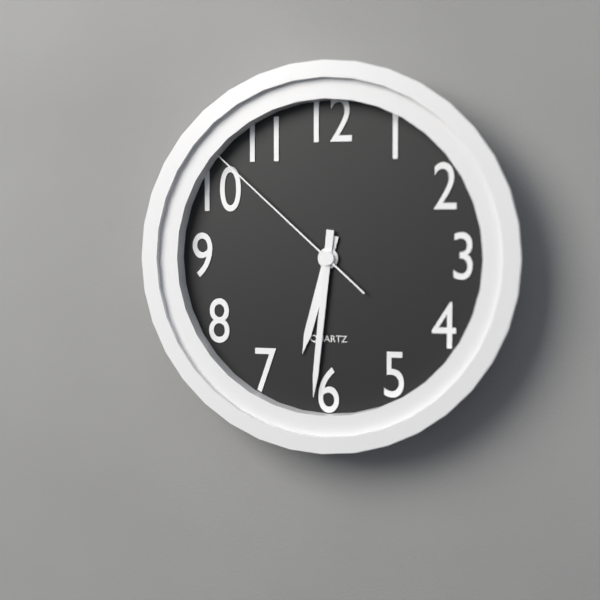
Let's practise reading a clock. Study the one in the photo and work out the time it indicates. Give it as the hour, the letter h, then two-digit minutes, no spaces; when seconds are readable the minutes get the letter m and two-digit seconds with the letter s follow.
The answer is 6h31m52s
